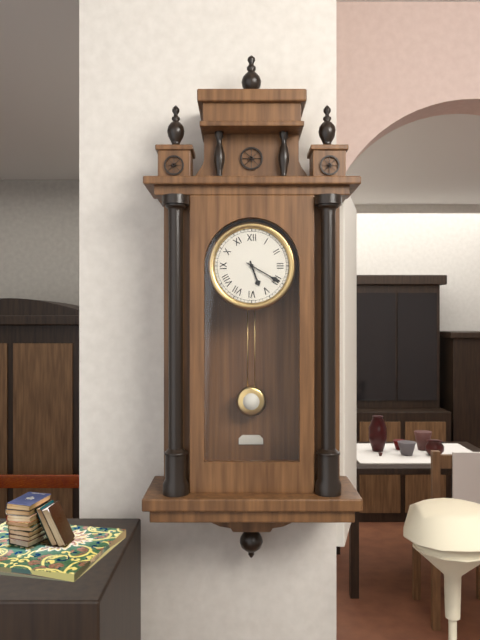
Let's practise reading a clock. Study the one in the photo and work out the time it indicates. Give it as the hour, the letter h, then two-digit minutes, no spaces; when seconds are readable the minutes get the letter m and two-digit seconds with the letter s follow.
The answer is 5h20
